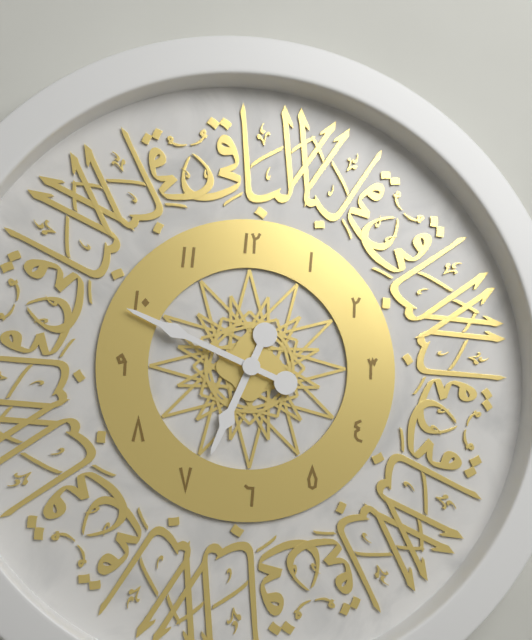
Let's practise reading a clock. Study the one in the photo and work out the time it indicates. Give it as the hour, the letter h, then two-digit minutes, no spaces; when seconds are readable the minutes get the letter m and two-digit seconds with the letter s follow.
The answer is 6h49
